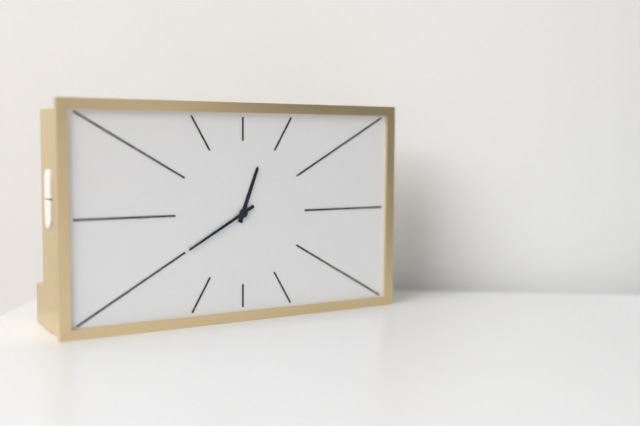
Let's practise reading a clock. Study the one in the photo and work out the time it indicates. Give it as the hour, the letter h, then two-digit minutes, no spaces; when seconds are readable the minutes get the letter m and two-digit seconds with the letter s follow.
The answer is 12h40
